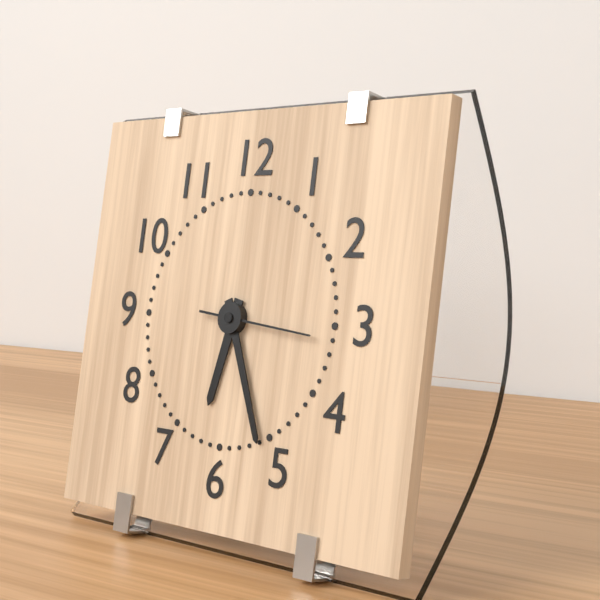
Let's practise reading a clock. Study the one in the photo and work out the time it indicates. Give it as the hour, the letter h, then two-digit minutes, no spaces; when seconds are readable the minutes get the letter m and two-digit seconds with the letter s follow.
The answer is 6h26m16s
